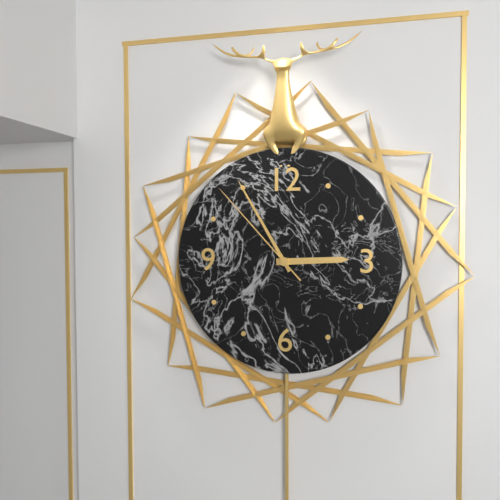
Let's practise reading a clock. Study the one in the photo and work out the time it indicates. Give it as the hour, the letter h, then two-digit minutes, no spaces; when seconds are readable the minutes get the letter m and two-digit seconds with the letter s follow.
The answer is 2h55m53s
